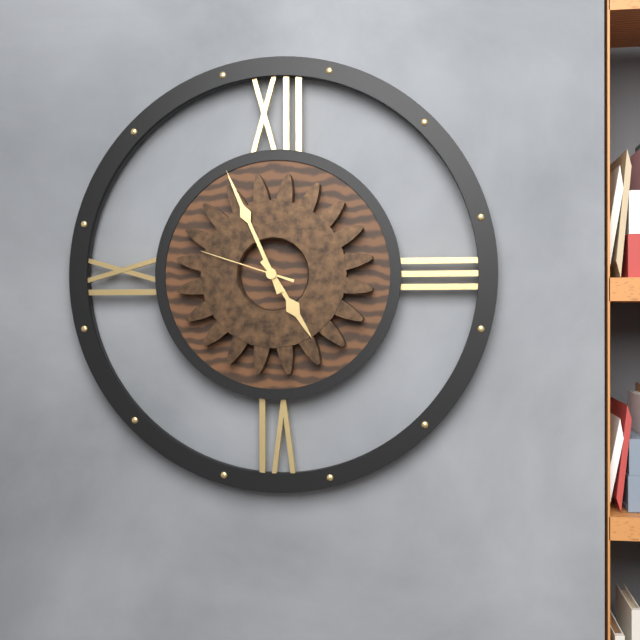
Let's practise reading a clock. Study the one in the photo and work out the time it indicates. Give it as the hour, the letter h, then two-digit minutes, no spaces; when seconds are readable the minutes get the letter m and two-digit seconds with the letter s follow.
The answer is 4h56m48s
